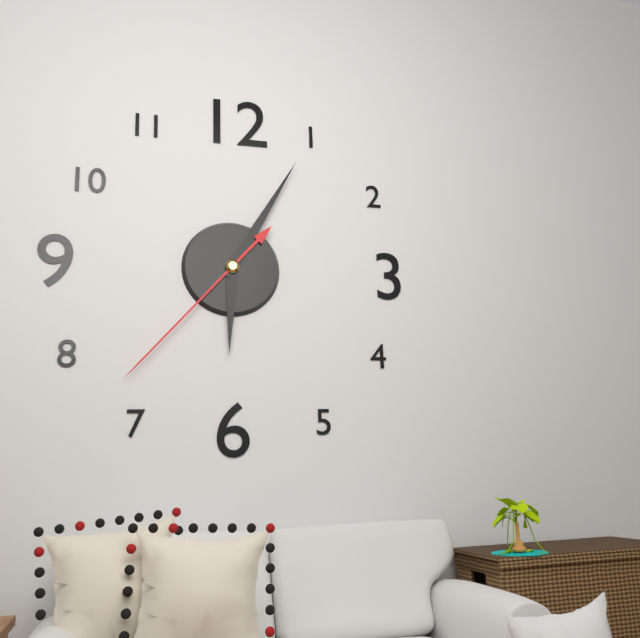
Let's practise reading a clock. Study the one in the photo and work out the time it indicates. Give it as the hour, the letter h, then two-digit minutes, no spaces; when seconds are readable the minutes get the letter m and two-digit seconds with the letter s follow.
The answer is 6h05m37s
